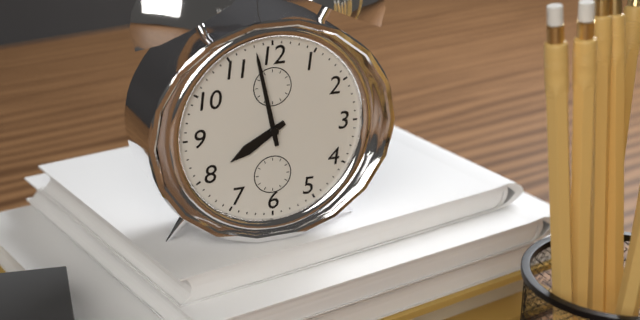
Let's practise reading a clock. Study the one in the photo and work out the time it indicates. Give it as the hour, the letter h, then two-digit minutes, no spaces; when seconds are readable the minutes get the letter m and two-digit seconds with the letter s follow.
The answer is 7h58
